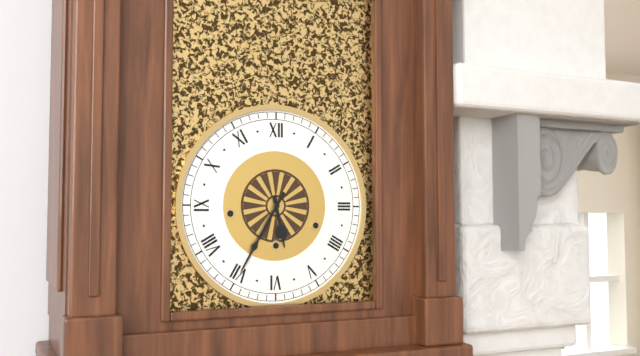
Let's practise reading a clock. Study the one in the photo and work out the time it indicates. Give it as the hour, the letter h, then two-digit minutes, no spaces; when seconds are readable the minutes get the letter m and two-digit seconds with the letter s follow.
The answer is 5h35
